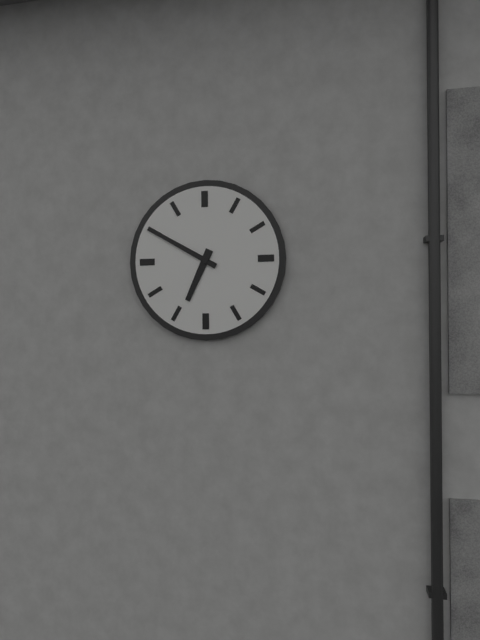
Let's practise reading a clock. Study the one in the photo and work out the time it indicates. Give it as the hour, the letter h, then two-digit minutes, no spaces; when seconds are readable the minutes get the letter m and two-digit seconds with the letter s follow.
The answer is 6h50
